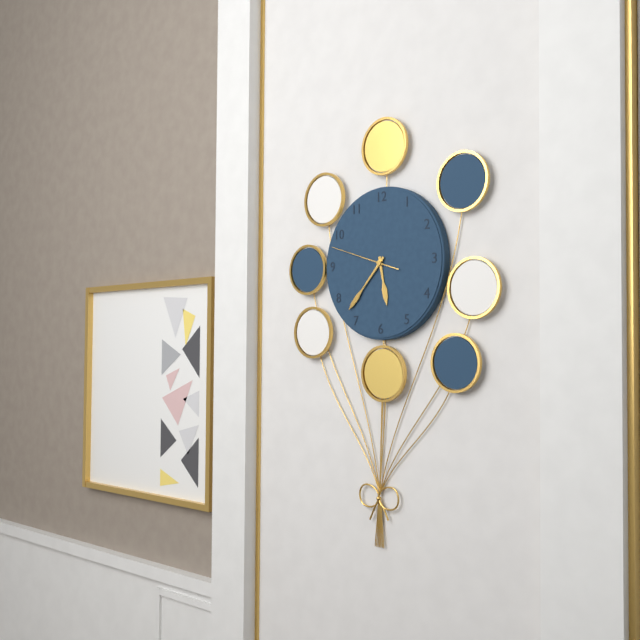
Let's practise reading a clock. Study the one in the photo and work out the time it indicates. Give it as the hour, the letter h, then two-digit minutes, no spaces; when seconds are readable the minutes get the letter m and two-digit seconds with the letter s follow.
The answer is 5h37m48s
